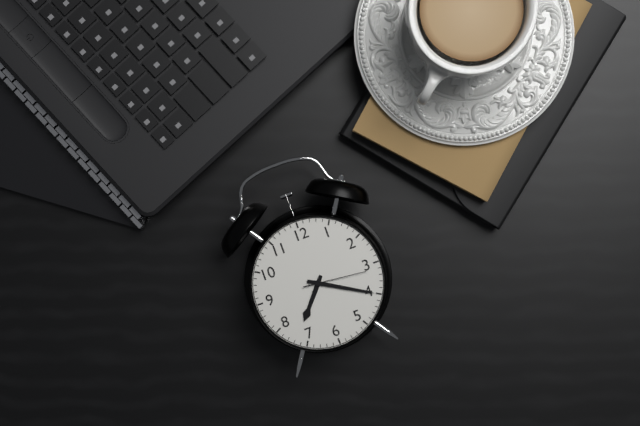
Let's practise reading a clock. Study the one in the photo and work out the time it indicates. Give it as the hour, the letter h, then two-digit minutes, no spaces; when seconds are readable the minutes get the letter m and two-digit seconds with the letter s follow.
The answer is 7h20m16s
